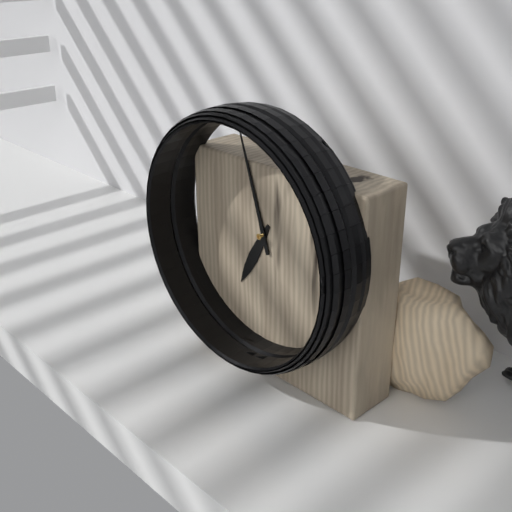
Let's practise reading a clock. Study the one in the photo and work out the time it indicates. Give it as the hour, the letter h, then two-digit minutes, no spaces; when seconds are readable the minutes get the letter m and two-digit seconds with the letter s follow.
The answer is 6h57
